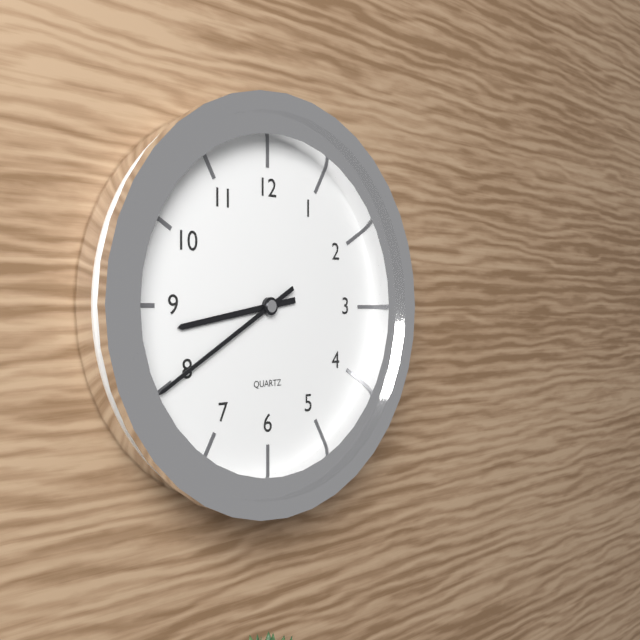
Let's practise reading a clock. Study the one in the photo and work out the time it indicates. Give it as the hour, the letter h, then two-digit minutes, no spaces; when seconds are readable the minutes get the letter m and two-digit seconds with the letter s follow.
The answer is 8h40
